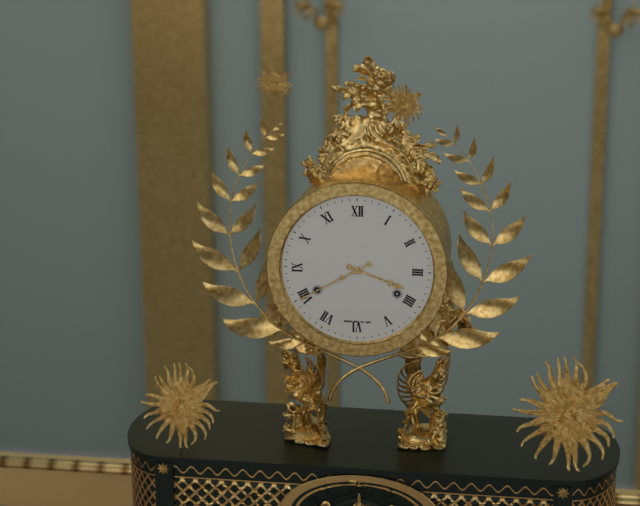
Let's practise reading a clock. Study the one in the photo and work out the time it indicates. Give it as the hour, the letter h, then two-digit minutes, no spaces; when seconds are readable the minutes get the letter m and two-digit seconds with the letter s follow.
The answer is 3h40
